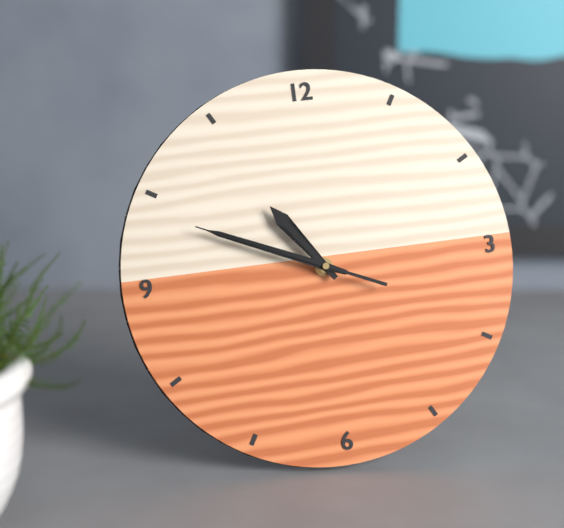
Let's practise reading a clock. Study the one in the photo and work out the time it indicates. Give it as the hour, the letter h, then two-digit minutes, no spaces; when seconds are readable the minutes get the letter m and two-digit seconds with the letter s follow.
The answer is 10h49m49s
